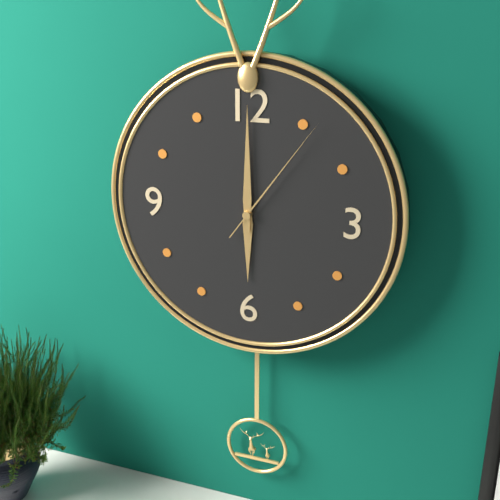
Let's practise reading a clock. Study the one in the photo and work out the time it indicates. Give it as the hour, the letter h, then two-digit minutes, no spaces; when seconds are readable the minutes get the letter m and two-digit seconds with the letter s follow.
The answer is 6h00m06s
